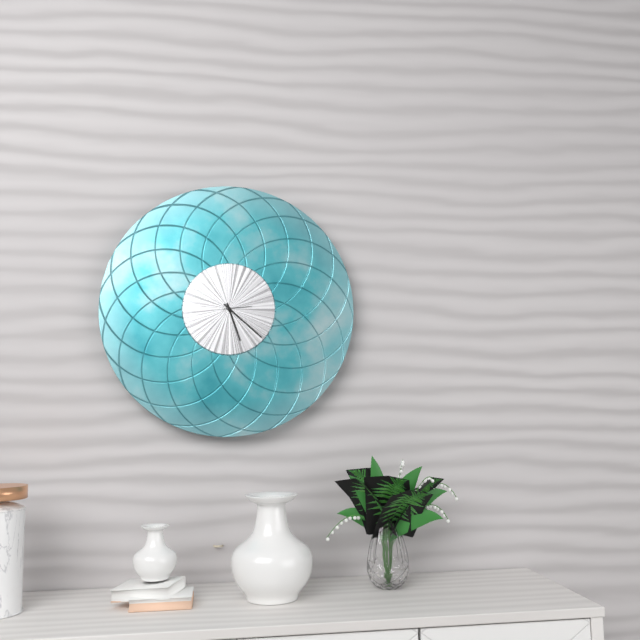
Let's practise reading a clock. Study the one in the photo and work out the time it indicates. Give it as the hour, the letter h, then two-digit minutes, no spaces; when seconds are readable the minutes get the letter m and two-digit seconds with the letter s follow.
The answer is 5h22
